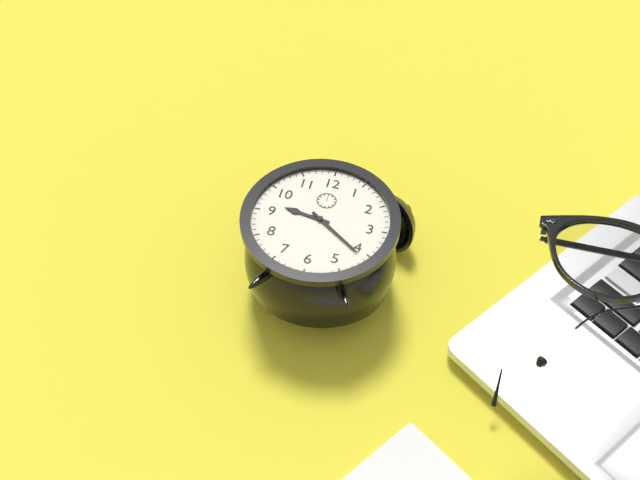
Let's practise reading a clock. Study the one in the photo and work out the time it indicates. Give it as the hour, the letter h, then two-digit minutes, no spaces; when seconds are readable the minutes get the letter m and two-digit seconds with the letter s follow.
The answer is 9h21
